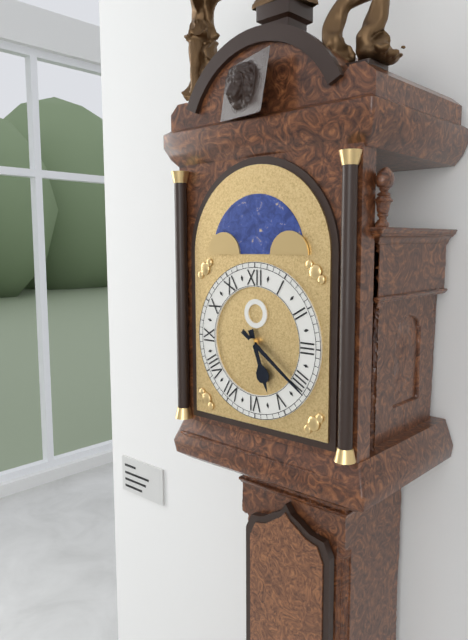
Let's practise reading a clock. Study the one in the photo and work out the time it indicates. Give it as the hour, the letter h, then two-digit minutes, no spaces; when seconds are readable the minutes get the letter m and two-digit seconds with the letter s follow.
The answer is 5h21
